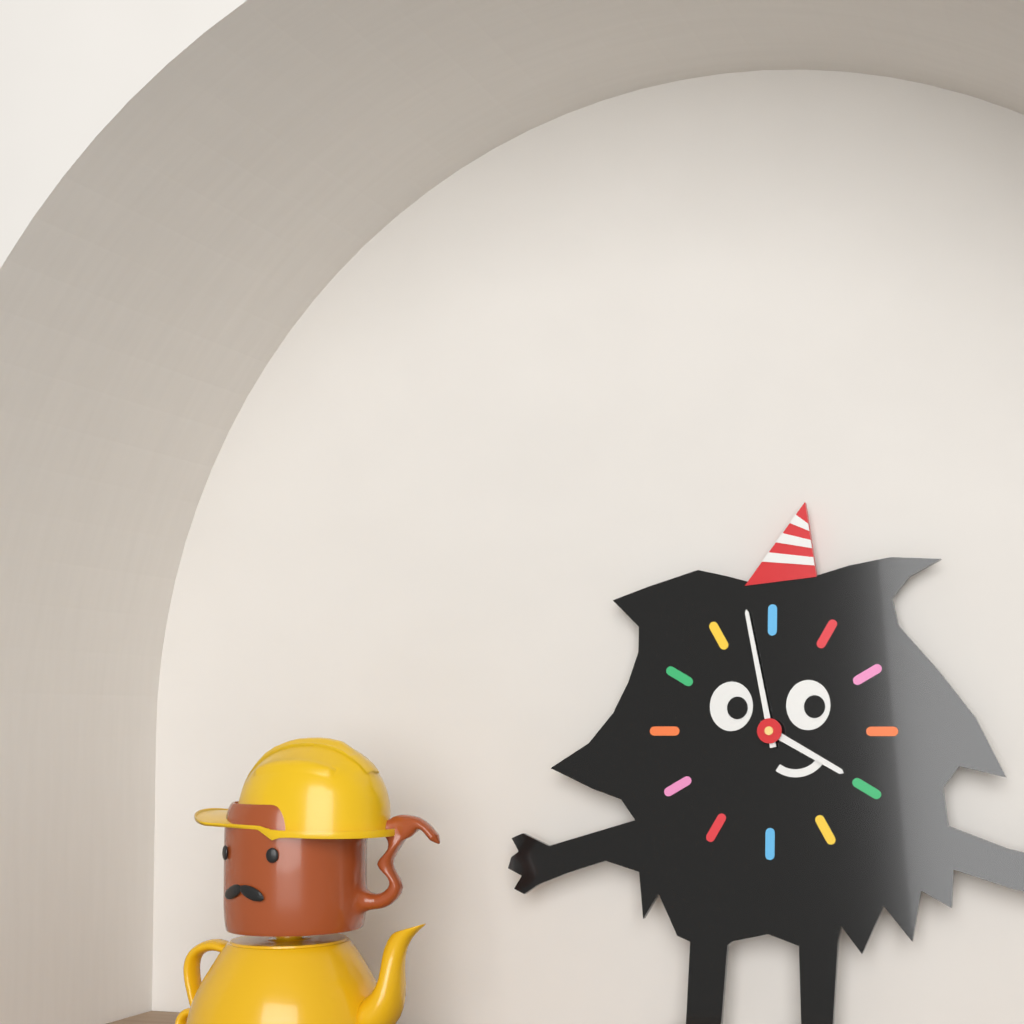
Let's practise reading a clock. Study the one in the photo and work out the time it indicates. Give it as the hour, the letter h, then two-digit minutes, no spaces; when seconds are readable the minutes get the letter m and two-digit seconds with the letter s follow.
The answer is 3h58
